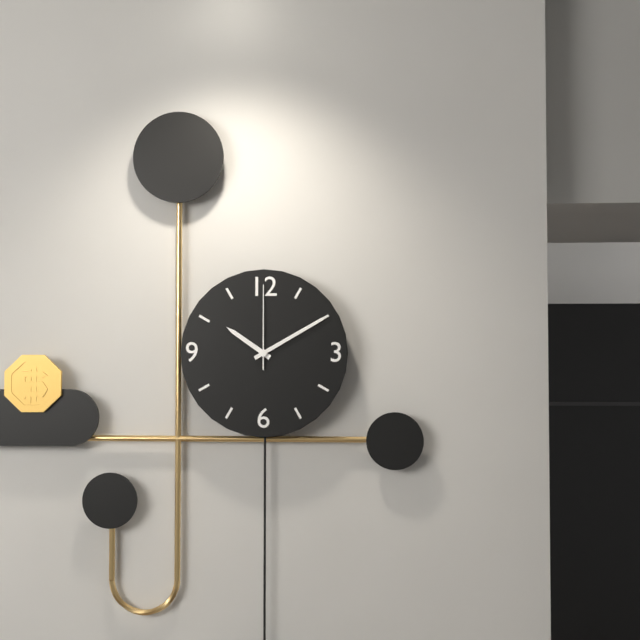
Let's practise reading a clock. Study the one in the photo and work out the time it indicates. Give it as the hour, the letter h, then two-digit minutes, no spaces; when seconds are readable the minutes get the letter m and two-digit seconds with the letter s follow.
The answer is 10h10m00s
